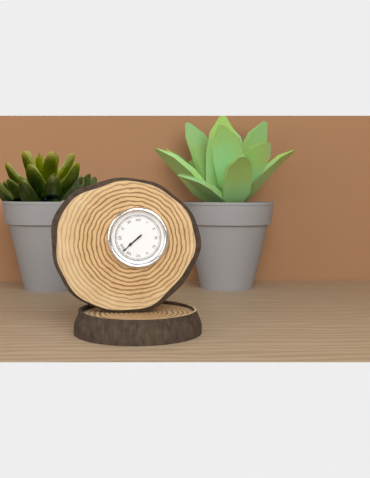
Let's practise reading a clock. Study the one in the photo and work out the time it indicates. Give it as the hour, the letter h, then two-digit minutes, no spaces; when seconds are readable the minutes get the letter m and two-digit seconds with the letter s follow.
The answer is 7h38
